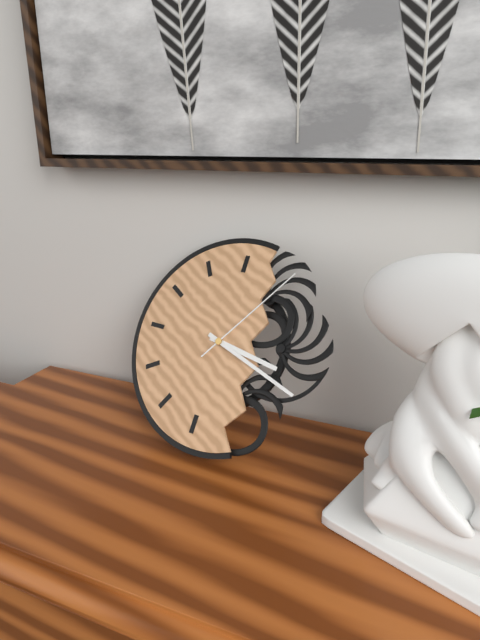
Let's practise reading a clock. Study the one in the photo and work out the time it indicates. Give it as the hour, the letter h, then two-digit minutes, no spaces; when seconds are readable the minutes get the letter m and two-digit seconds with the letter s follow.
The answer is 3h18m06s
